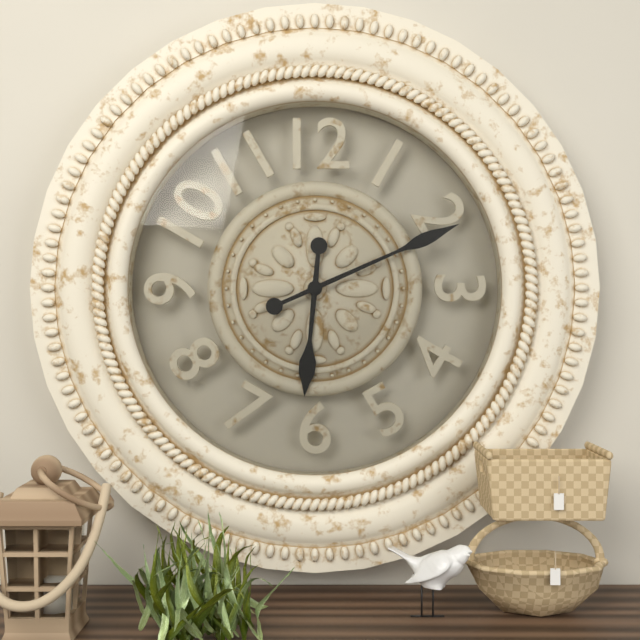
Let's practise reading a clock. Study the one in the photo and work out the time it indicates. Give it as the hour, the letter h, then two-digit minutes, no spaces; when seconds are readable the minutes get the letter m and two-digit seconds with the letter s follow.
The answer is 6h11
